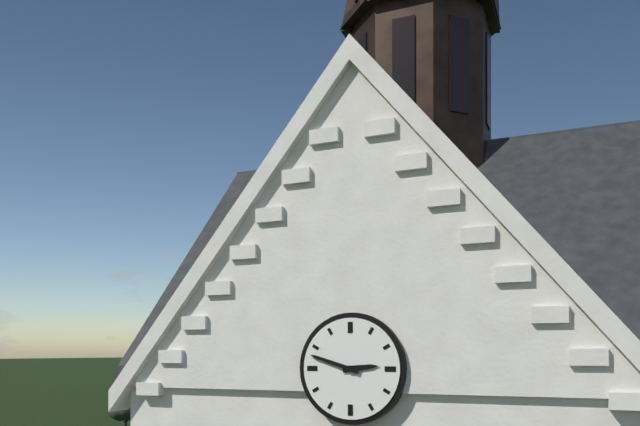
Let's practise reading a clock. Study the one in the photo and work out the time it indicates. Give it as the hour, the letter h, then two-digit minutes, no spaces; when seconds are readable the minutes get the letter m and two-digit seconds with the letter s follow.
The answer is 2h48
